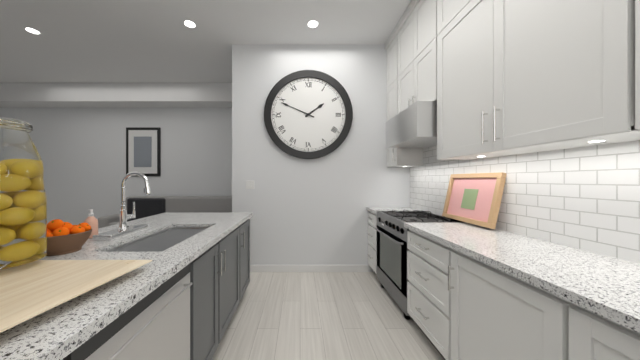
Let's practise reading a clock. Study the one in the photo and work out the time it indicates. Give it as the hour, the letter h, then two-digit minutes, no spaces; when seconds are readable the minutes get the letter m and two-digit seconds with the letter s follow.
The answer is 1h49
